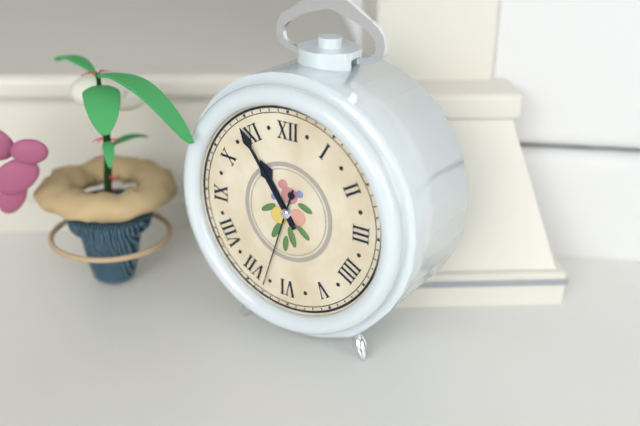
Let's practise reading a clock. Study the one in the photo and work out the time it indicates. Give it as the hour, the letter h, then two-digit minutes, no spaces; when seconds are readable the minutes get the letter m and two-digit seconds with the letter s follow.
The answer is 10h54m33s
